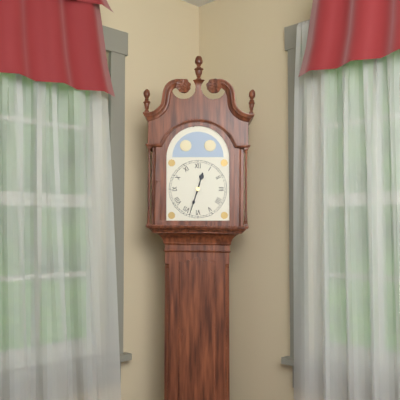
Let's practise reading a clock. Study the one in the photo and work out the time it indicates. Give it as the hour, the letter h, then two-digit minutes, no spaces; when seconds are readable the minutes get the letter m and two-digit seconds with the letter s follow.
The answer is 12h33
